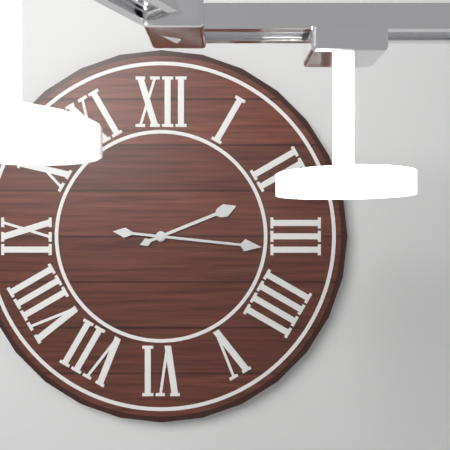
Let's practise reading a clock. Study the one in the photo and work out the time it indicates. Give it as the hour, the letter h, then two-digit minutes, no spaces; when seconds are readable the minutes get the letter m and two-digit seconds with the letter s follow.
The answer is 2h16
